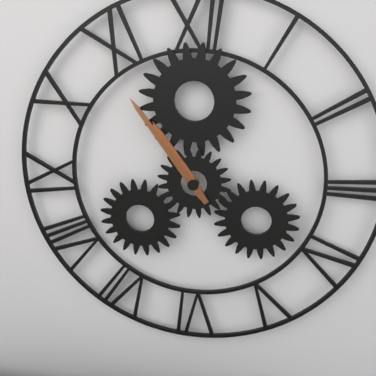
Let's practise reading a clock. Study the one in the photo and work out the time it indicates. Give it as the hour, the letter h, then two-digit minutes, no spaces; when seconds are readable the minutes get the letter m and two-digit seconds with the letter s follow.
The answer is 10h54
